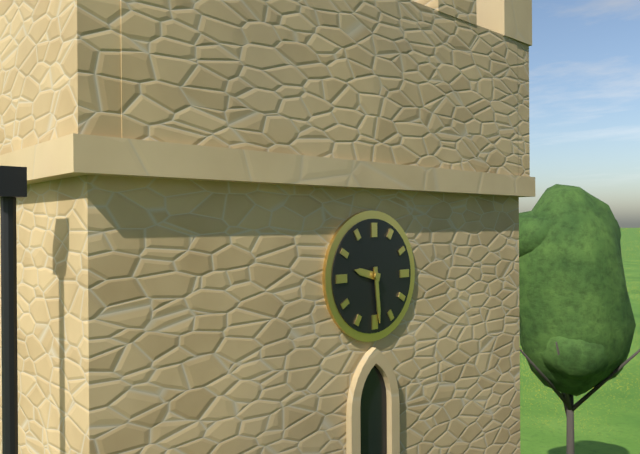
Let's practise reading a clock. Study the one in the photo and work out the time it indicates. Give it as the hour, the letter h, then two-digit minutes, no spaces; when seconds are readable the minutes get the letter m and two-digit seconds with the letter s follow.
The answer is 9h29
